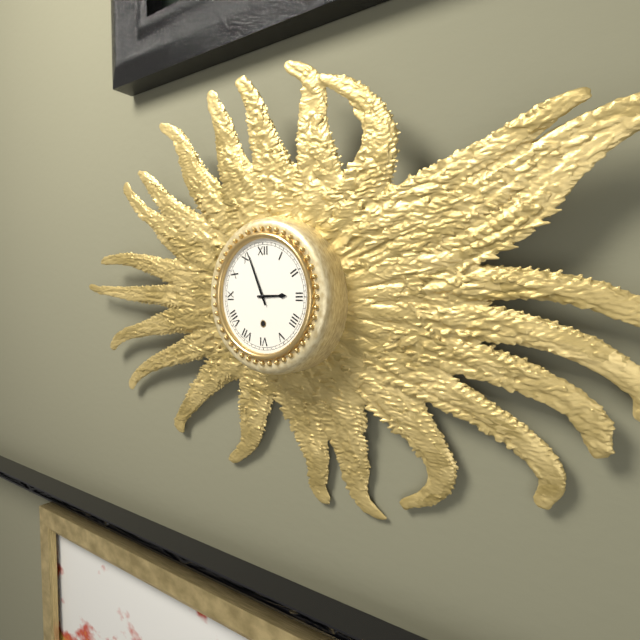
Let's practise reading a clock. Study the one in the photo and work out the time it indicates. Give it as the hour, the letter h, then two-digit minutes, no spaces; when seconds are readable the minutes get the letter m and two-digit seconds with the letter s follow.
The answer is 2h56
